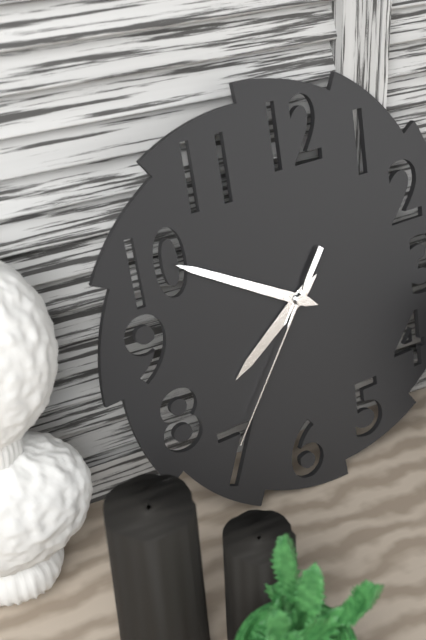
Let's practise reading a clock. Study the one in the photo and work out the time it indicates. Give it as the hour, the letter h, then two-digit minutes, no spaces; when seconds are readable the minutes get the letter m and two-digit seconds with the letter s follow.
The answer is 7h50m36s
